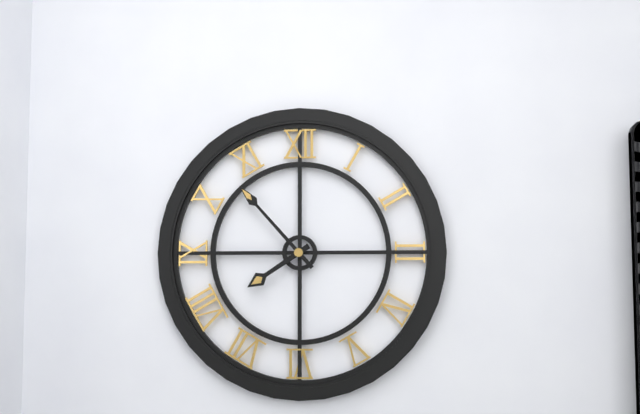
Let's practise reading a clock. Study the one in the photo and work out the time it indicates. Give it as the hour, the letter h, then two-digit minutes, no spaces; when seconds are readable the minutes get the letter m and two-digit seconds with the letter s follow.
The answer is 7h53
